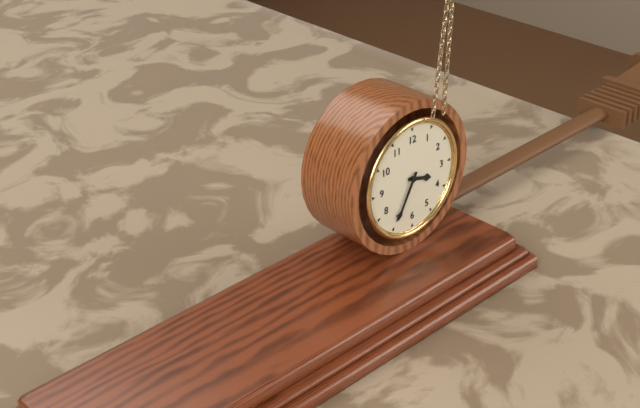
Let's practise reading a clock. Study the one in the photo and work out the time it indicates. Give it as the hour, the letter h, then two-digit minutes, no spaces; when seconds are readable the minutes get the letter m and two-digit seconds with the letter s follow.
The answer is 3h35
